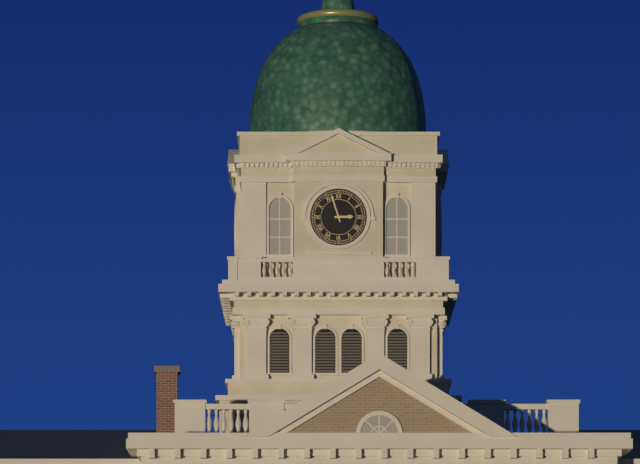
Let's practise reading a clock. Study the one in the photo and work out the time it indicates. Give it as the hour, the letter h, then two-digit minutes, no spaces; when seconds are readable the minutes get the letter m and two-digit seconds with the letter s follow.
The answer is 2h57
